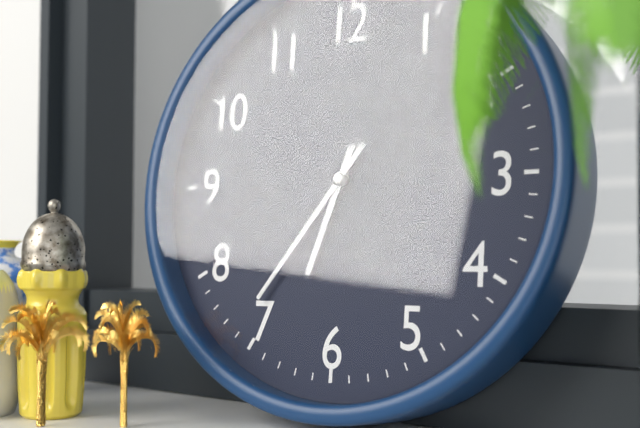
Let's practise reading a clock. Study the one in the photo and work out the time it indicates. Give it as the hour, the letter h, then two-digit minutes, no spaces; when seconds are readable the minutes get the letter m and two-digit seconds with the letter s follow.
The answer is 6h36
